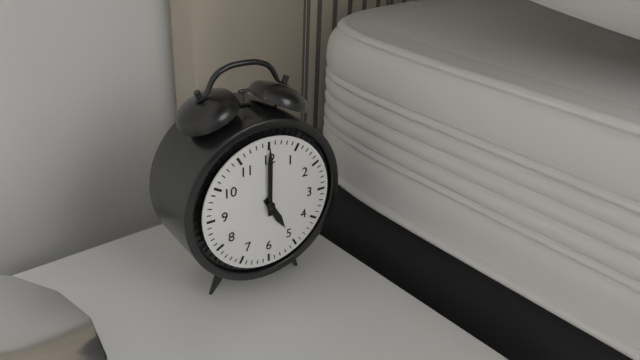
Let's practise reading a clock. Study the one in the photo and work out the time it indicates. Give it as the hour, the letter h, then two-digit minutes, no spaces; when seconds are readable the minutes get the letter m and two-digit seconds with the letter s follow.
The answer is 5h00
